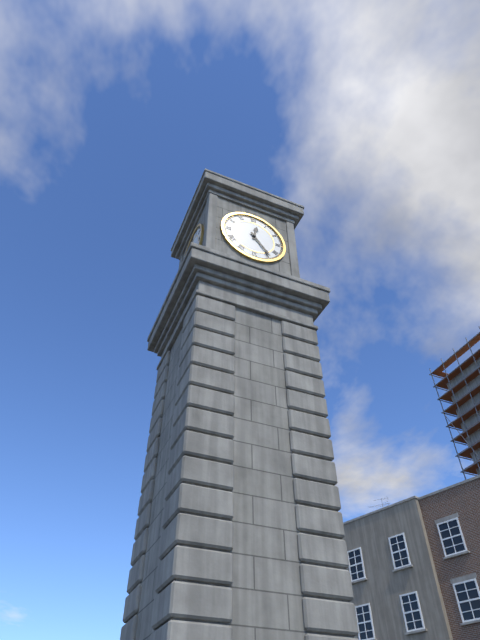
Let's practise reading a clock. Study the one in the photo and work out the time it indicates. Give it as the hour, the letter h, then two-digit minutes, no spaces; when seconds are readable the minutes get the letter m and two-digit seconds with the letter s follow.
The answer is 12h24
